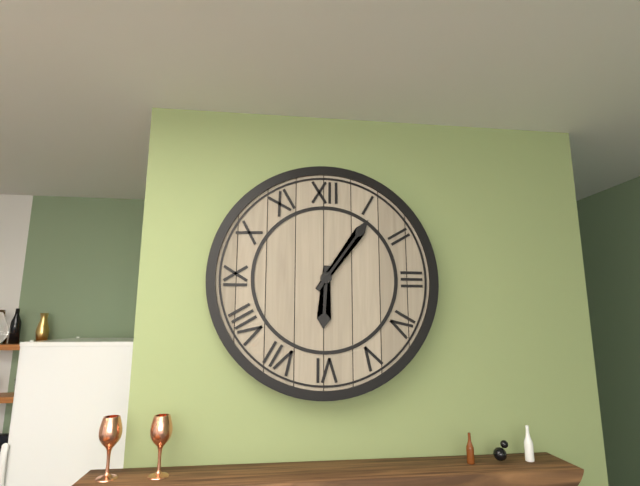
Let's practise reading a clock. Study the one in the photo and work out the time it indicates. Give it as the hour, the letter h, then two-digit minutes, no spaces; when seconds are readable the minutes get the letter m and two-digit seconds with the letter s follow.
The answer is 6h06
